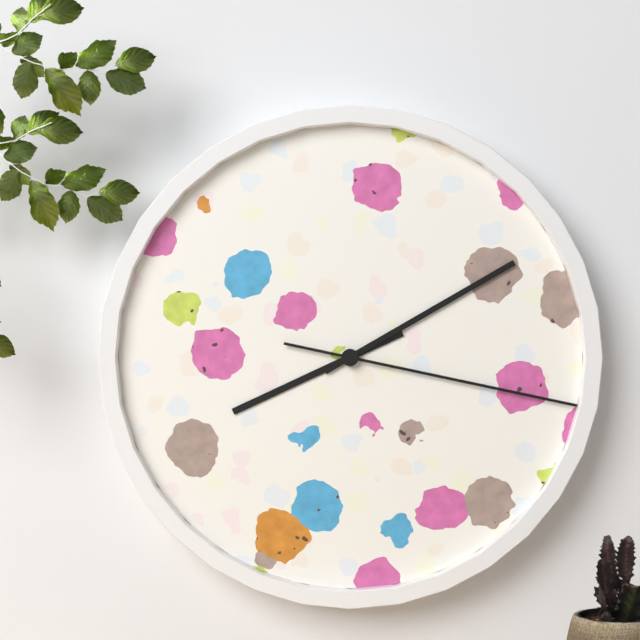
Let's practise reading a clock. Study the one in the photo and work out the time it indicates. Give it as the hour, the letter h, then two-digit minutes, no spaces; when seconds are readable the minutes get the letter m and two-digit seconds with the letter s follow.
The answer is 8h10m17s
